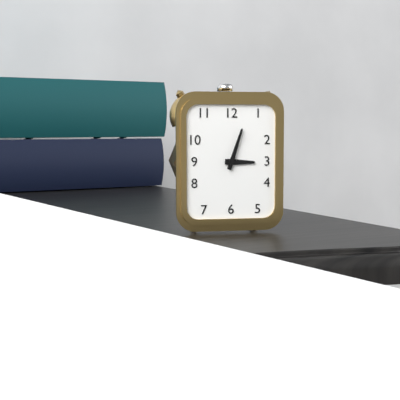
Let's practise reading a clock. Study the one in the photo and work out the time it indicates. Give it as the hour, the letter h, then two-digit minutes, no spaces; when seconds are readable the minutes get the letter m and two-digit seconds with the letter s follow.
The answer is 3h03
